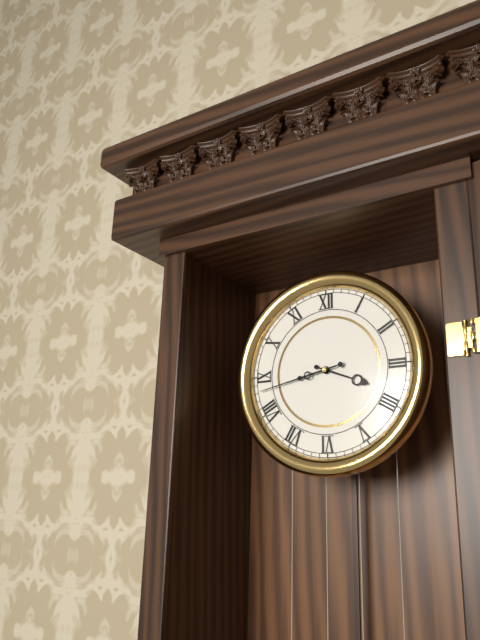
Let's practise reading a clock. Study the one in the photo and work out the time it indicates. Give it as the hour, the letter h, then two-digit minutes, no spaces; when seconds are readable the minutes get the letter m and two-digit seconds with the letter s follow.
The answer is 3h43
